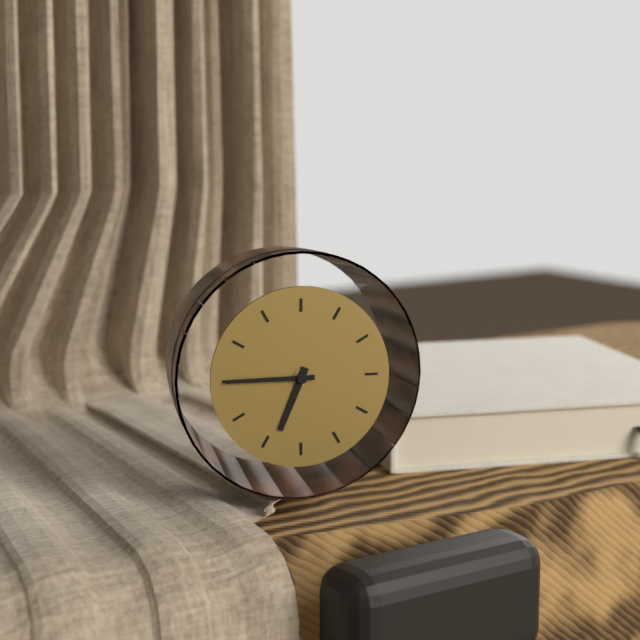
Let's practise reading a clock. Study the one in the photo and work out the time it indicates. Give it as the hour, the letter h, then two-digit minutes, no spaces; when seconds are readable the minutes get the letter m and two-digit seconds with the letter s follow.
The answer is 6h45
